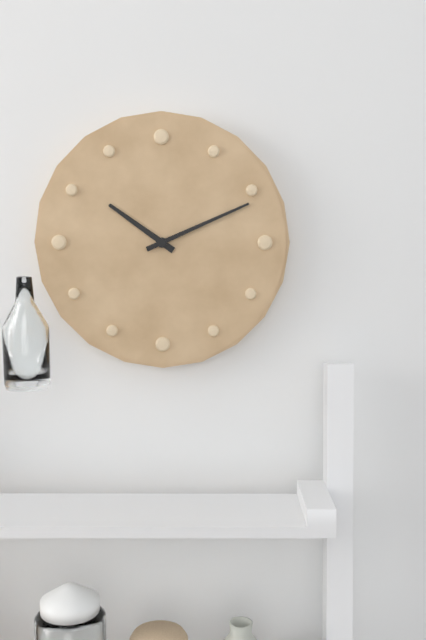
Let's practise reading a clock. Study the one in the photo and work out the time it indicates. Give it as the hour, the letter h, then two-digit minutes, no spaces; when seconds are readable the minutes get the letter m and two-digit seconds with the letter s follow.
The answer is 10h11
